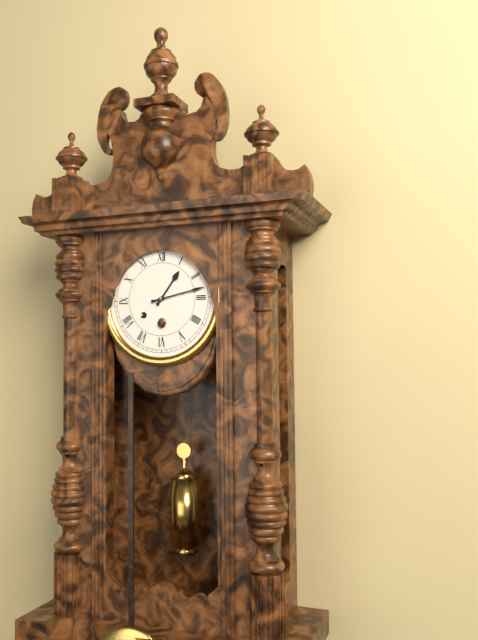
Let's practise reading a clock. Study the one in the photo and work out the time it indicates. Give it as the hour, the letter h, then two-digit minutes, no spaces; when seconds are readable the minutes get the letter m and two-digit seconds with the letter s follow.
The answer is 1h13
